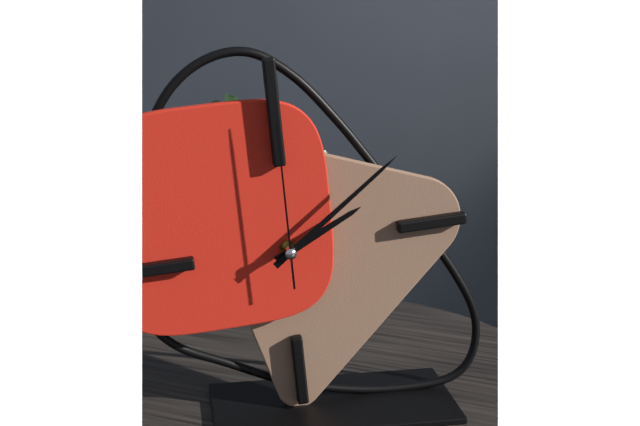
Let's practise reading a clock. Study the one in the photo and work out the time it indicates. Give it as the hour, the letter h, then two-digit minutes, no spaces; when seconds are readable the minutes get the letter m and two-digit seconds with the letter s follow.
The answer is 2h09m00s
